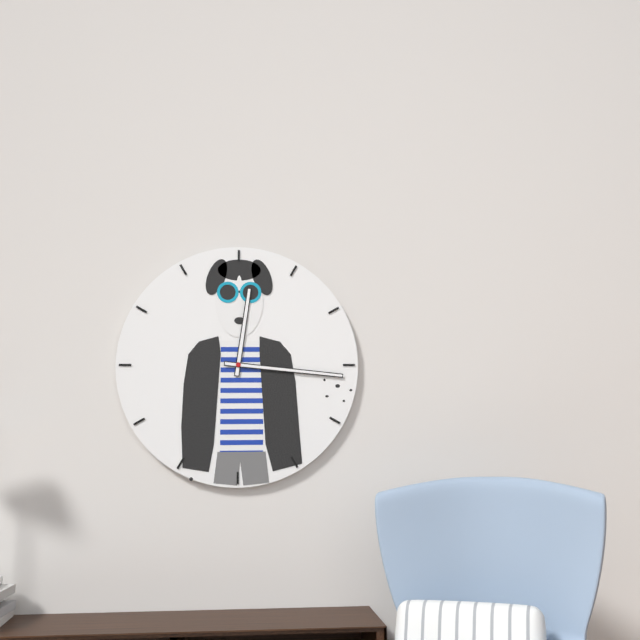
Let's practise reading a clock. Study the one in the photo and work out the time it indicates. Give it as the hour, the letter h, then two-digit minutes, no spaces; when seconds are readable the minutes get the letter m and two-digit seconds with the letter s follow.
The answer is 12h16
